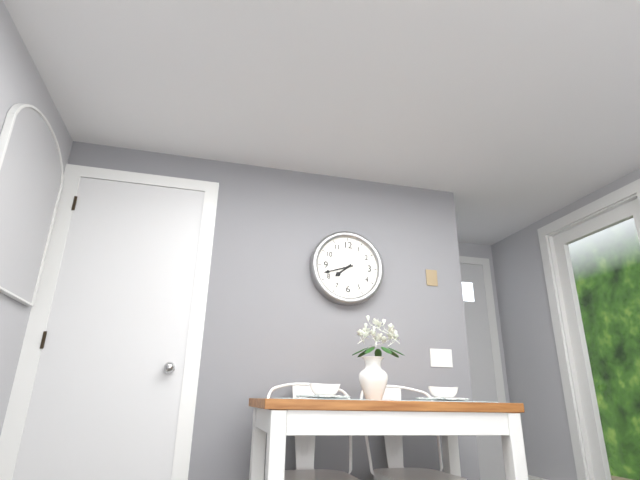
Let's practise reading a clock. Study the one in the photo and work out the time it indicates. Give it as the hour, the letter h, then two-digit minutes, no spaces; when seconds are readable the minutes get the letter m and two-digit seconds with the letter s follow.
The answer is 7h42
